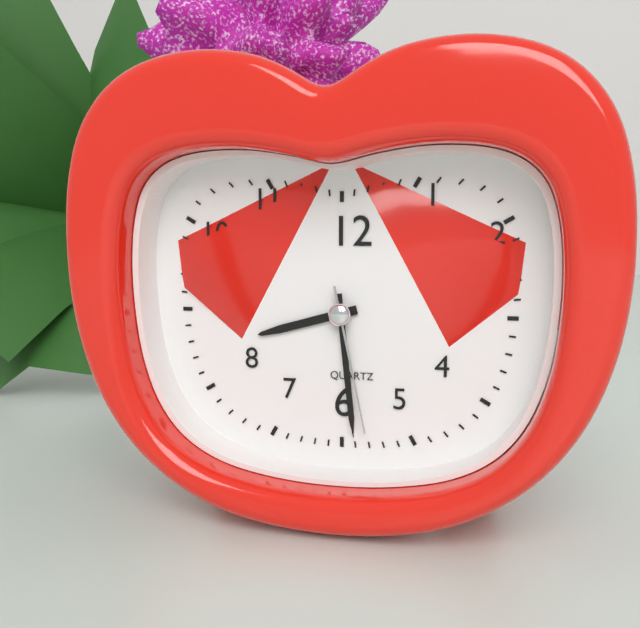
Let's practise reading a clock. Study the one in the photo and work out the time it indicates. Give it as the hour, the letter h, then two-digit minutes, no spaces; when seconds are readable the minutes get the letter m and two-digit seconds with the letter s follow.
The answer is 8h29m28s
